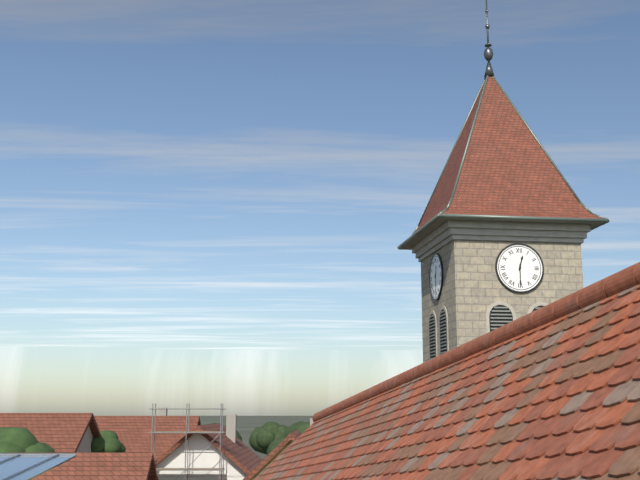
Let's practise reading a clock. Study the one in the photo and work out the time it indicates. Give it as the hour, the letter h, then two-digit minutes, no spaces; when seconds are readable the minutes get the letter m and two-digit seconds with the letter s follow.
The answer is 12h30
